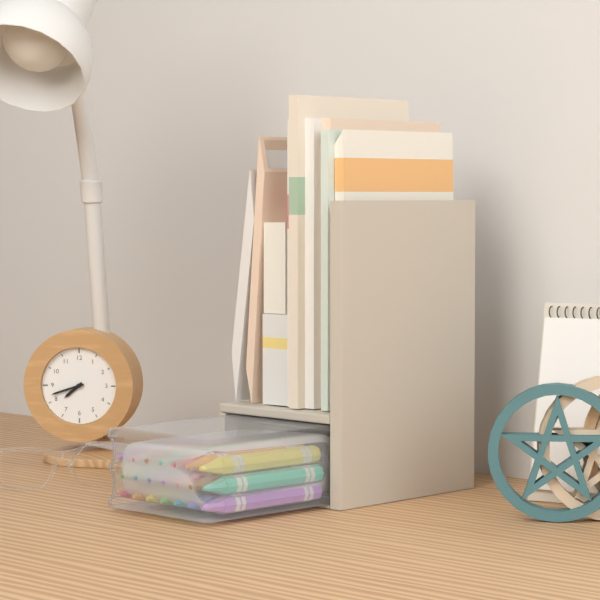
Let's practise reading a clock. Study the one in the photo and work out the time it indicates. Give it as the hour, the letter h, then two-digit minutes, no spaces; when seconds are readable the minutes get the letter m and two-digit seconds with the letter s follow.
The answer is 7h42
